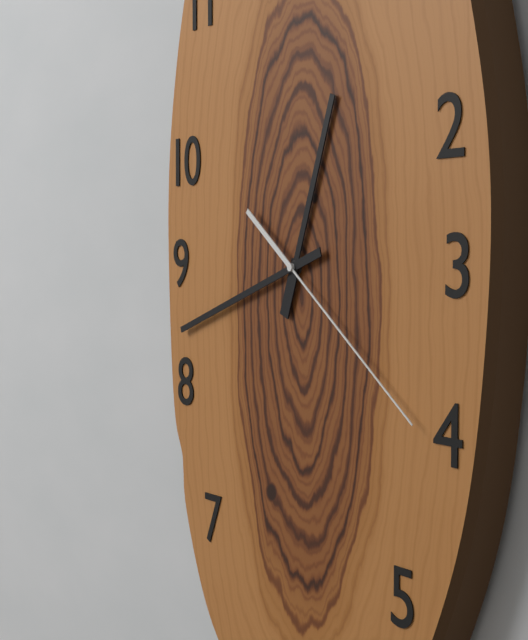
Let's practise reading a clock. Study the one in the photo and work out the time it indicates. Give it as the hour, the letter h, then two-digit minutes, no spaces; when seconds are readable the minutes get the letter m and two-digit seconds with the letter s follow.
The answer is 12h42m21s
